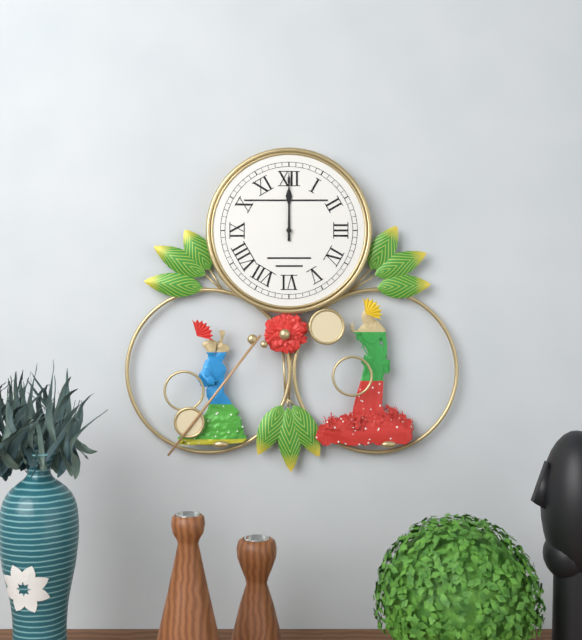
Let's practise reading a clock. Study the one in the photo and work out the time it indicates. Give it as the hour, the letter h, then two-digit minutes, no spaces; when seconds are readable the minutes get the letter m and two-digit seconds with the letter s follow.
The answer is 12h00
